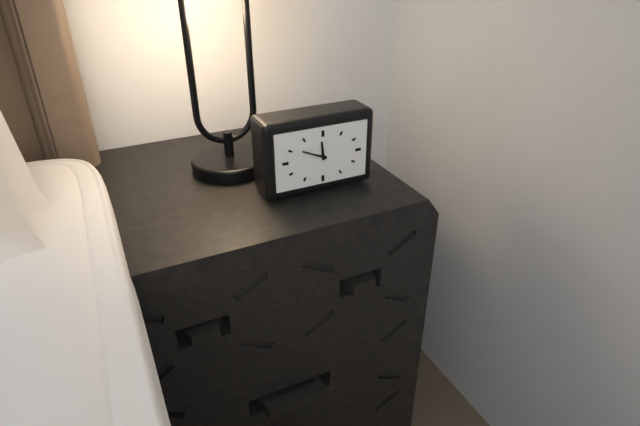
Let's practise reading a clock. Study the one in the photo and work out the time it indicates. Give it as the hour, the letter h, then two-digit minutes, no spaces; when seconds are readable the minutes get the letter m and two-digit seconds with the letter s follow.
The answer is 11h49
